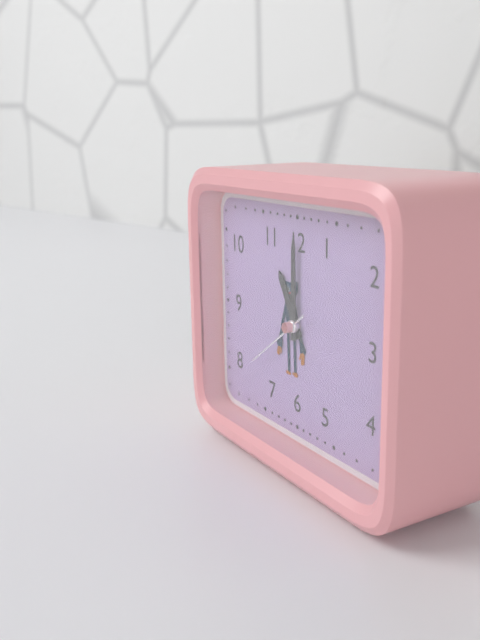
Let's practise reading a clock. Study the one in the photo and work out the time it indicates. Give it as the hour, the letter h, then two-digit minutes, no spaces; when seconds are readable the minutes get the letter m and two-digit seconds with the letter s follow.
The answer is 11h00m39s
